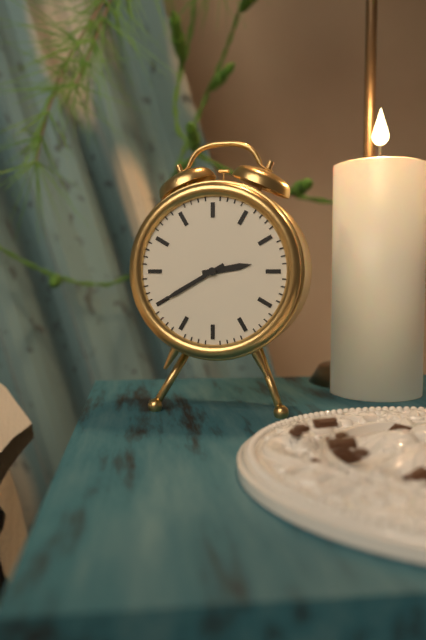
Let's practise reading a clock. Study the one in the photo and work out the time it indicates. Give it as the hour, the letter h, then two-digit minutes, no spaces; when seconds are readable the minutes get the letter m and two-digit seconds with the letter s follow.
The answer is 2h40
